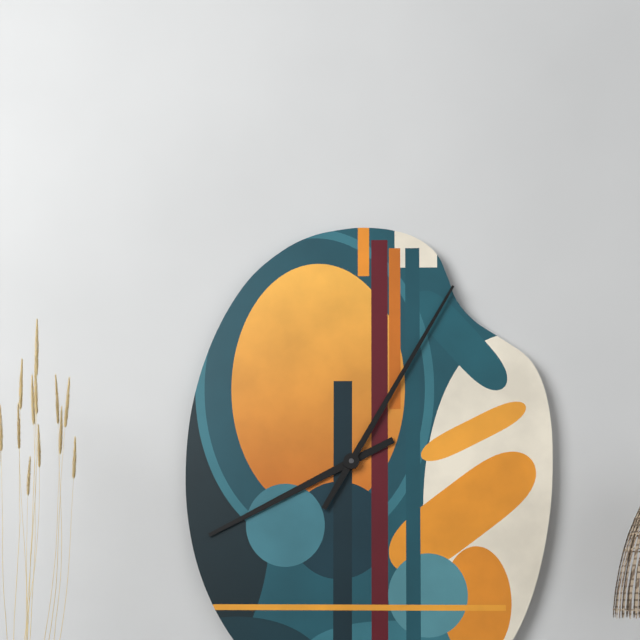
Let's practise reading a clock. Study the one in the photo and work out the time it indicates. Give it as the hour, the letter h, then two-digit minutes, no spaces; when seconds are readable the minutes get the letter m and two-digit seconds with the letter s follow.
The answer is 8h05
